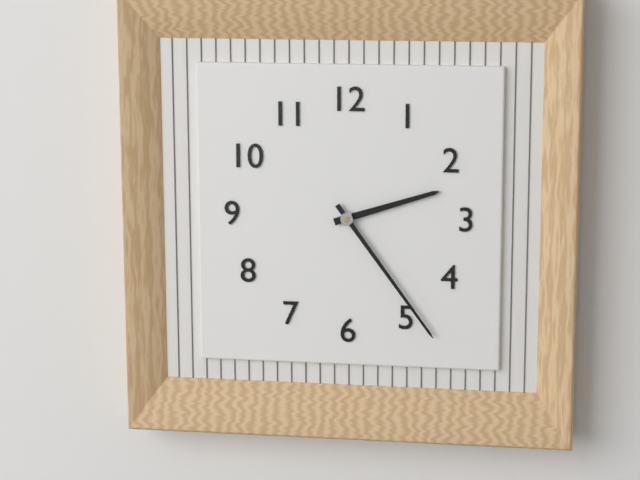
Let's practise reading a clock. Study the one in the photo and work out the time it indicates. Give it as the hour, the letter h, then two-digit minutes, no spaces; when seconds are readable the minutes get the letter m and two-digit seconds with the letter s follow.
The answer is 2h24
